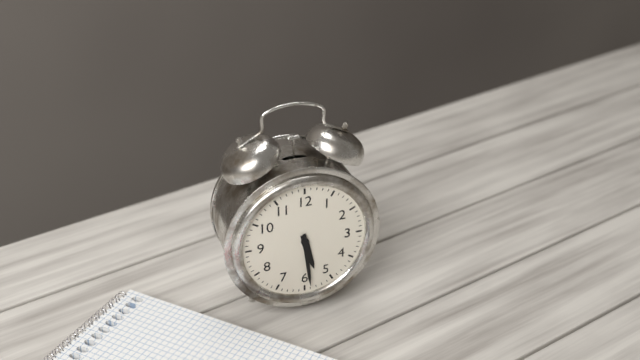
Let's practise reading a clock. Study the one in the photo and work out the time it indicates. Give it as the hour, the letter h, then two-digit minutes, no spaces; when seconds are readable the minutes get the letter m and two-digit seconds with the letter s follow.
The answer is 5h29
